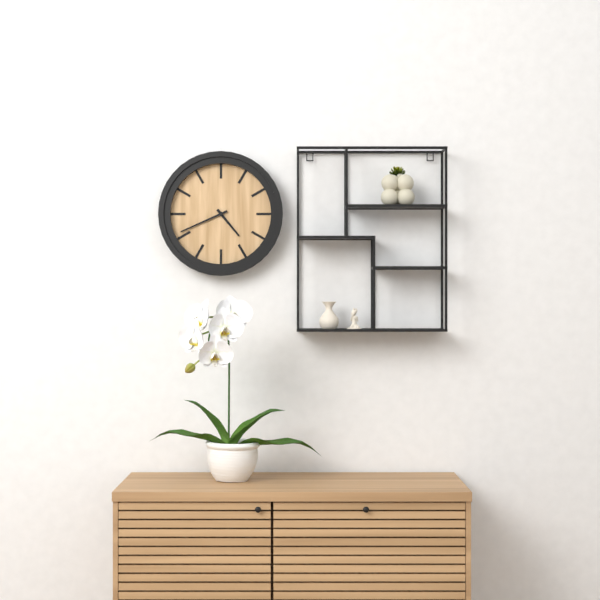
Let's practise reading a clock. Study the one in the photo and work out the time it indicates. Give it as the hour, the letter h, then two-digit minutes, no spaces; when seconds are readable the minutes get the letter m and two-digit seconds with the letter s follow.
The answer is 4h41
